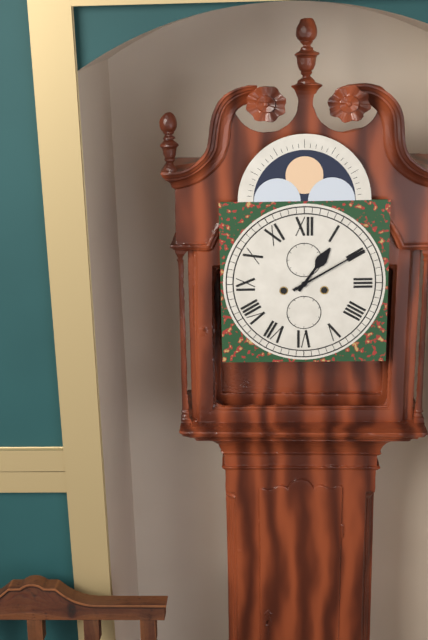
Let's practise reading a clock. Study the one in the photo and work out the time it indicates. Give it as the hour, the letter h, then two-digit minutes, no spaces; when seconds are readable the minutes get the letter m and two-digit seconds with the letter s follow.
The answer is 1h10
